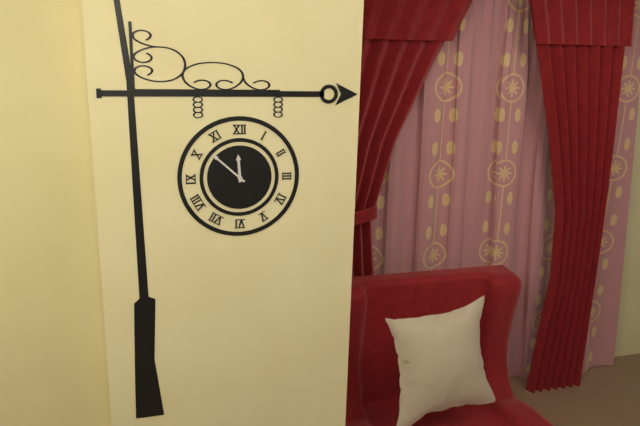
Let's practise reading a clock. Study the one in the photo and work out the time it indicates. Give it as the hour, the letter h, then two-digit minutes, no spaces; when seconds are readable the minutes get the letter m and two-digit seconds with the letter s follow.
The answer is 11h52
